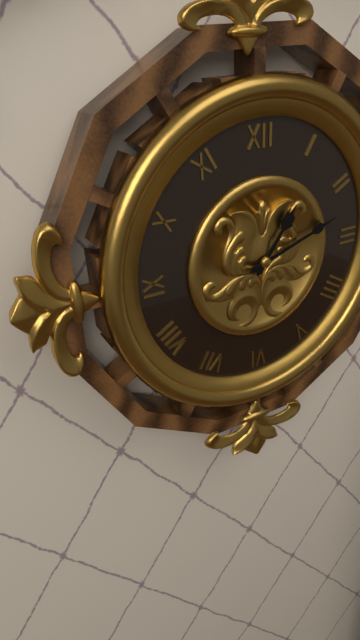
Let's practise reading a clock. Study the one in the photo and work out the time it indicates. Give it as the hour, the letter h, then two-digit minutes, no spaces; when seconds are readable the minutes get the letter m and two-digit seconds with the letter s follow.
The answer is 1h12
